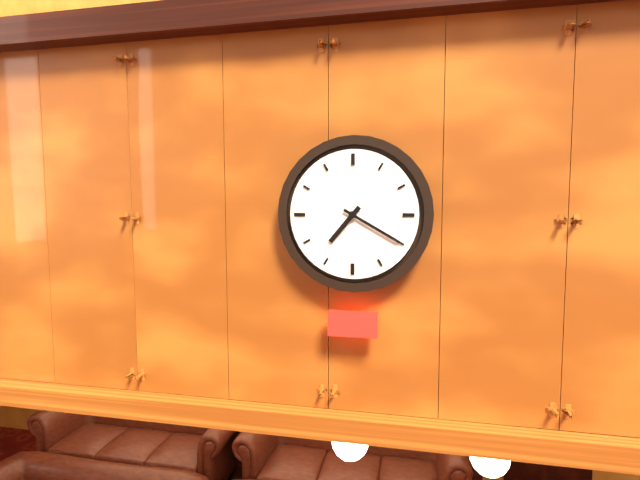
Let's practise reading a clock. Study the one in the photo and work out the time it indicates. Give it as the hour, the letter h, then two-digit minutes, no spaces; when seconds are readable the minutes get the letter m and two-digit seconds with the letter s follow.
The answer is 7h20
